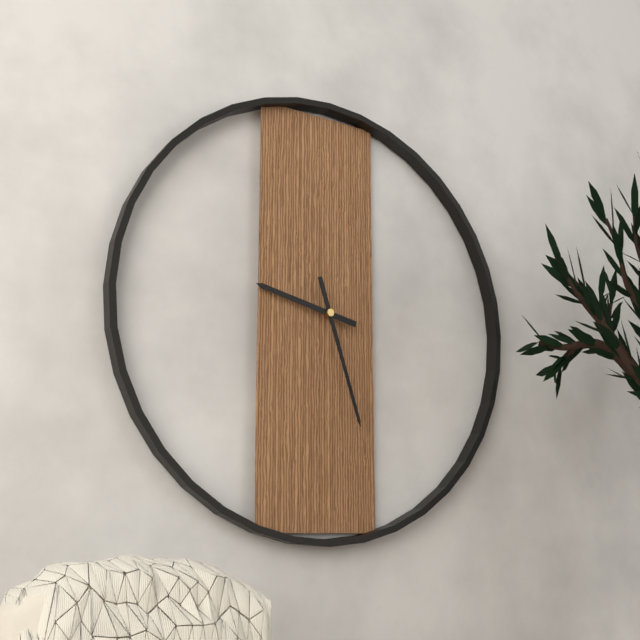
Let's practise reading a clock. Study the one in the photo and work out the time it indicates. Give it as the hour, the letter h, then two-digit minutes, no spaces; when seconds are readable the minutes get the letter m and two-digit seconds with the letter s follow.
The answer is 9h27
